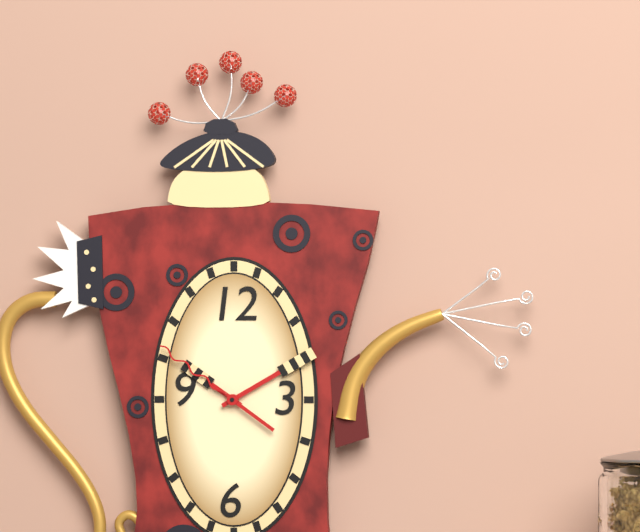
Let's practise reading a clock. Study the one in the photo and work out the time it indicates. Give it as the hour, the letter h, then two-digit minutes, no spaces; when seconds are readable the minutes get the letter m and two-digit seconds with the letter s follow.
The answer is 10h10m51s
